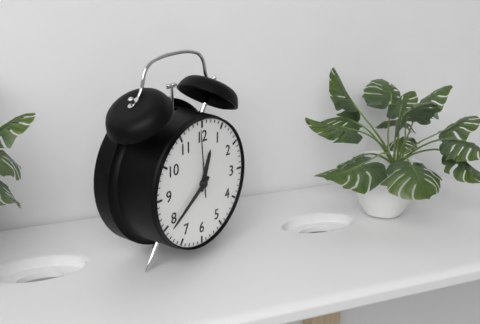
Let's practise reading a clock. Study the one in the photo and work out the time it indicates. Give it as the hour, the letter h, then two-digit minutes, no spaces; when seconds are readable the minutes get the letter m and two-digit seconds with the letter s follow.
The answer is 12h39m59s
